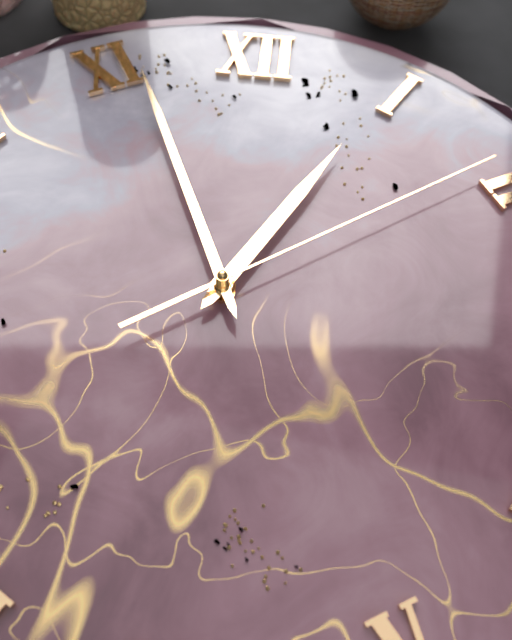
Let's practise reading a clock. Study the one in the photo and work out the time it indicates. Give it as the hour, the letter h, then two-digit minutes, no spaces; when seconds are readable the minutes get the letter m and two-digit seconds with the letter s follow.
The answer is 12h56m09s
